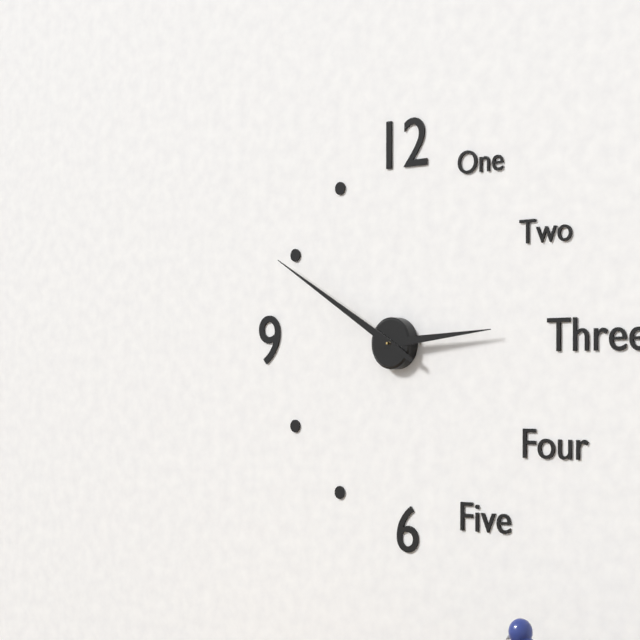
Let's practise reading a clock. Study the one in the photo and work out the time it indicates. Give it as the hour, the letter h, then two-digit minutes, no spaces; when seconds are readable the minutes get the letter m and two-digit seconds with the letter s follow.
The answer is 2h50
